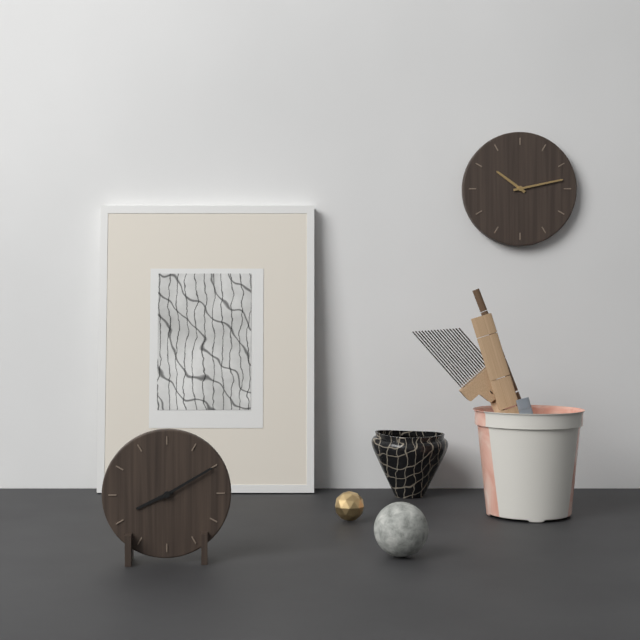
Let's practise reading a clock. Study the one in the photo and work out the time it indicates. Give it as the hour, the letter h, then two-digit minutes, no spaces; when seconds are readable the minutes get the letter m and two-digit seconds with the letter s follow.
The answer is 8h10
